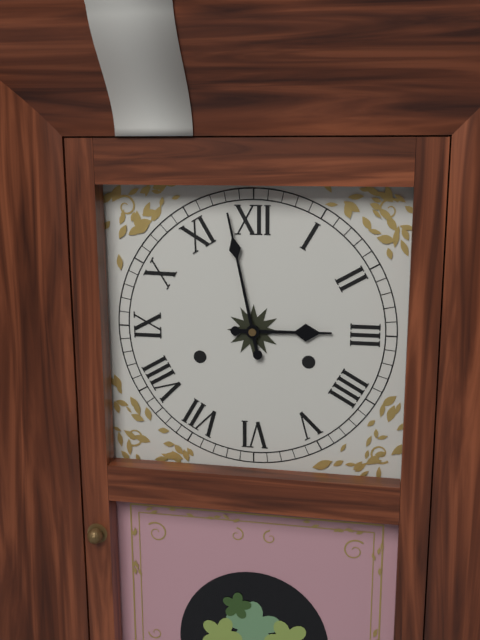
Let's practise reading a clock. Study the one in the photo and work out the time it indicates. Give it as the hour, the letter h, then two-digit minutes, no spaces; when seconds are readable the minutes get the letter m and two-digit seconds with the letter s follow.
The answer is 2h58
